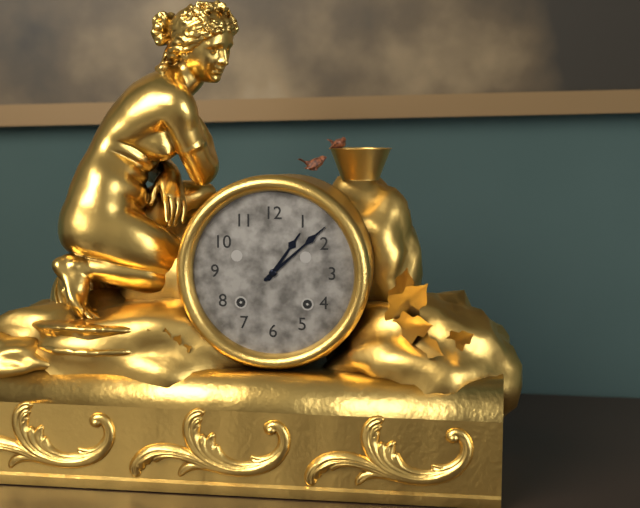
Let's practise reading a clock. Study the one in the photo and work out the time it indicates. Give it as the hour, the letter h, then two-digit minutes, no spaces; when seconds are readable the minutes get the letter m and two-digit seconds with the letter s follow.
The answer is 1h08
